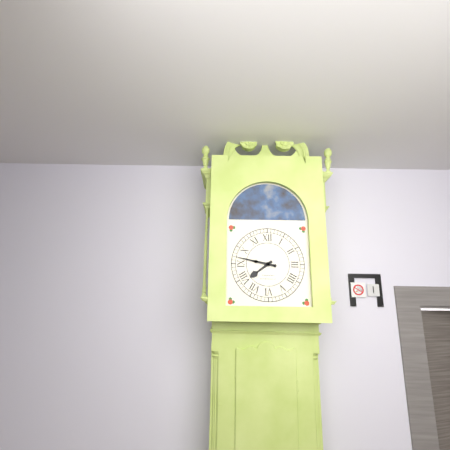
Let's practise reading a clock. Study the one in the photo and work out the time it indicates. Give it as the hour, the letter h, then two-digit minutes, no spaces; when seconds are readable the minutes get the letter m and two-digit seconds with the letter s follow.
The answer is 7h47
